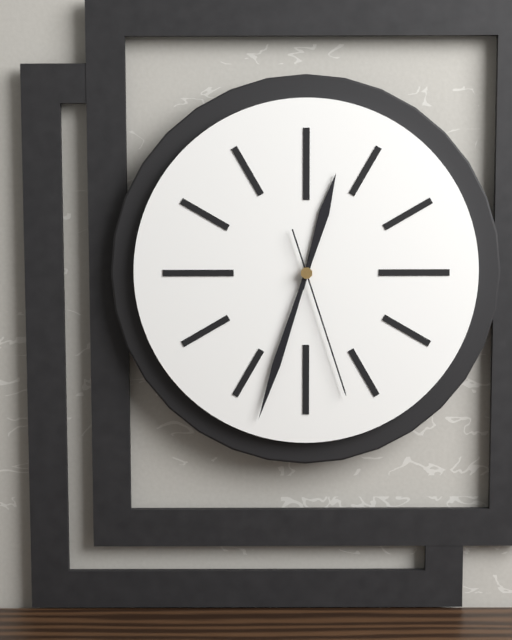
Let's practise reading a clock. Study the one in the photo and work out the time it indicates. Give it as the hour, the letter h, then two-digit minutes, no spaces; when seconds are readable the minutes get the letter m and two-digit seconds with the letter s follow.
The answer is 12h33m27s
